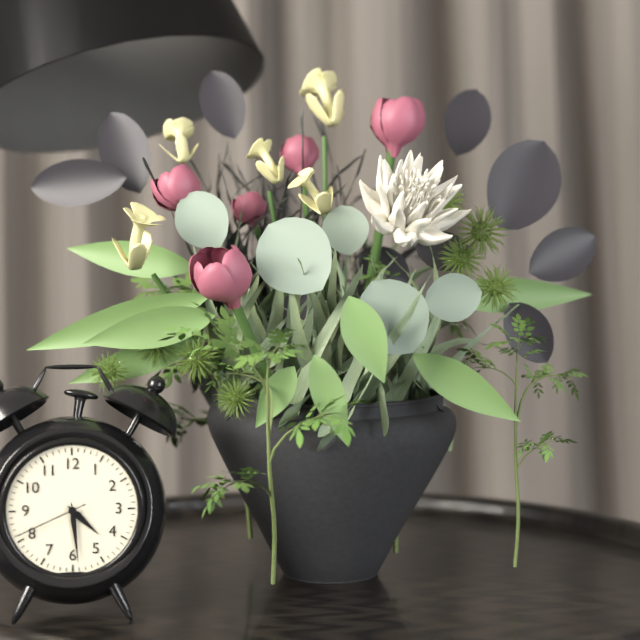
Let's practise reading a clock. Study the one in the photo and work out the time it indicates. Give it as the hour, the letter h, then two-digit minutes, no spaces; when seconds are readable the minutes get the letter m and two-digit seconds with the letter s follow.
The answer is 4h29m41s
